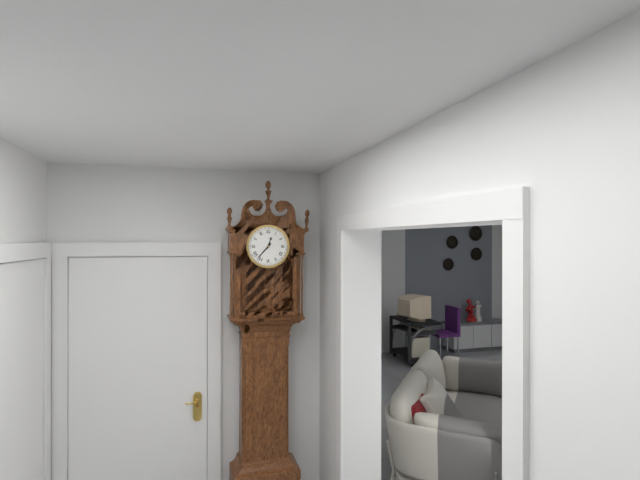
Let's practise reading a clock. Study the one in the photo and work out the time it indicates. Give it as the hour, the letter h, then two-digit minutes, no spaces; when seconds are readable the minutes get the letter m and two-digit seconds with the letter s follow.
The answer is 12h37
